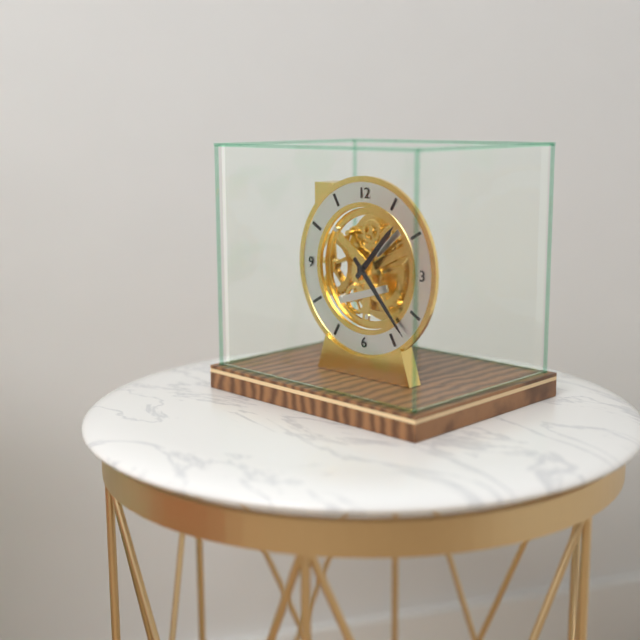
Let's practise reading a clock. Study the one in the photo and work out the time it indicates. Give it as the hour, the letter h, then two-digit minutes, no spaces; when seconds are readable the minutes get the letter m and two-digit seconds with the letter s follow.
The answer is 1h23
